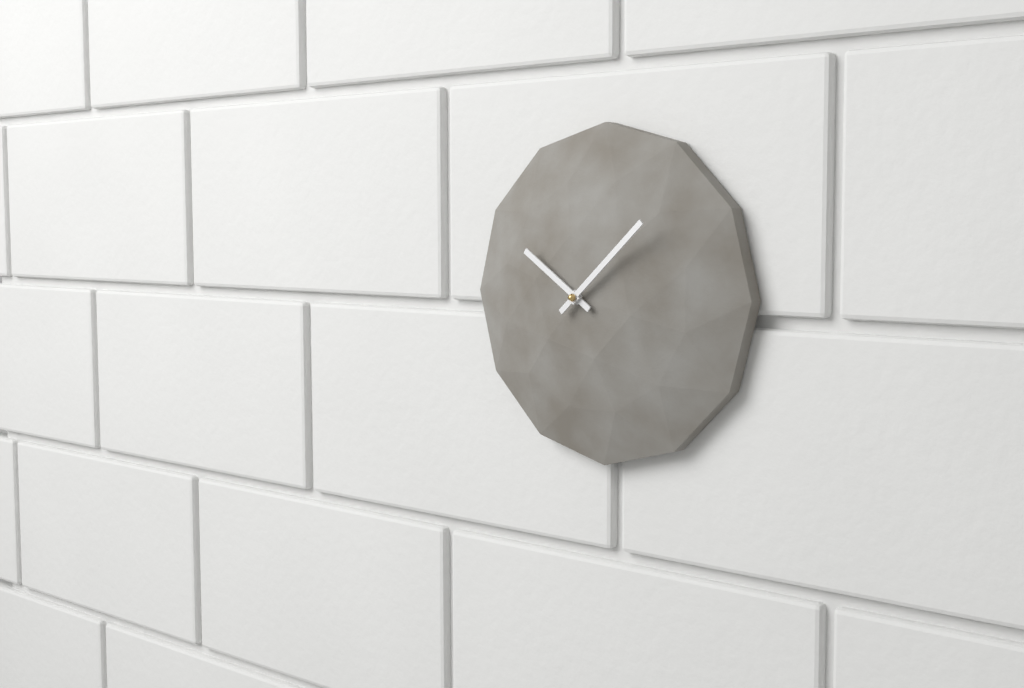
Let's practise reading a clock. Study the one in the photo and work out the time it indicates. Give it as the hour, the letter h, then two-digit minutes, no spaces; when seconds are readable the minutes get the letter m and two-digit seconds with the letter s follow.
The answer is 10h08
